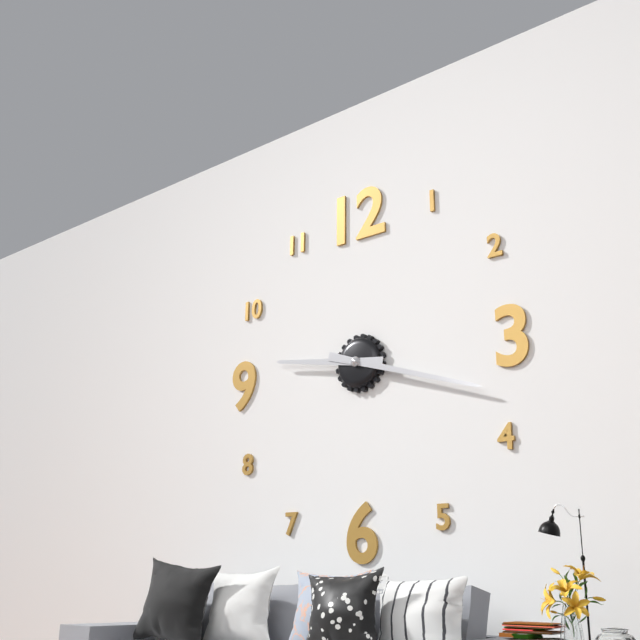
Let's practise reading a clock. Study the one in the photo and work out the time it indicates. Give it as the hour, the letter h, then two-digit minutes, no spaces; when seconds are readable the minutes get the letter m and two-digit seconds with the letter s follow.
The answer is 9h18
